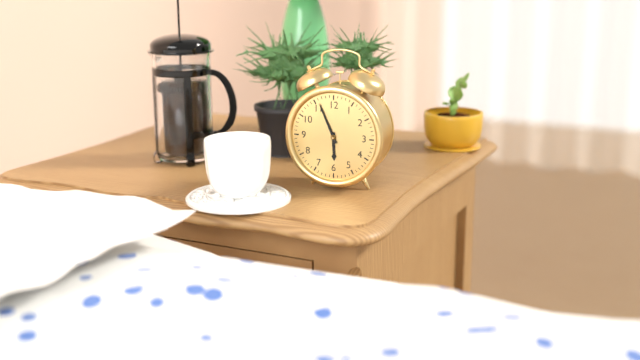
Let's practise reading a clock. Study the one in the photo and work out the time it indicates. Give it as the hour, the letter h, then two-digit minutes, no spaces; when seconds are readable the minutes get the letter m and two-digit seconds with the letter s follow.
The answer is 5h56
